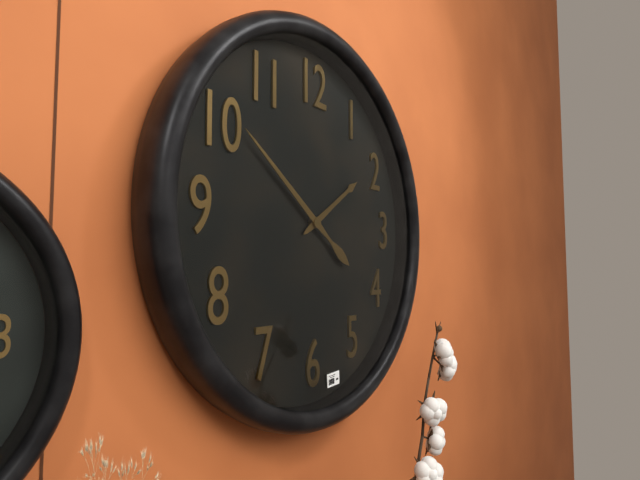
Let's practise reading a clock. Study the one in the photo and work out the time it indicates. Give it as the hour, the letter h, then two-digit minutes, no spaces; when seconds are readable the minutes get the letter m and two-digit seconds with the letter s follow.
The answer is 1h51
